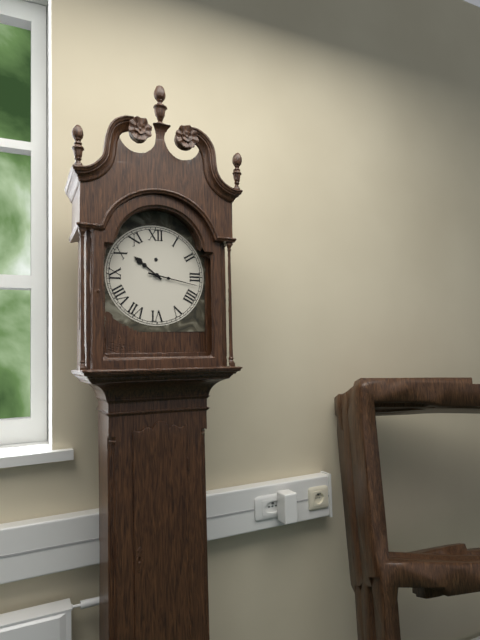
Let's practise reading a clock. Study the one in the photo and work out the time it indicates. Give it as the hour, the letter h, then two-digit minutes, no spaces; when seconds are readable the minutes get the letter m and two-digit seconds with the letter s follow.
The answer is 10h17
